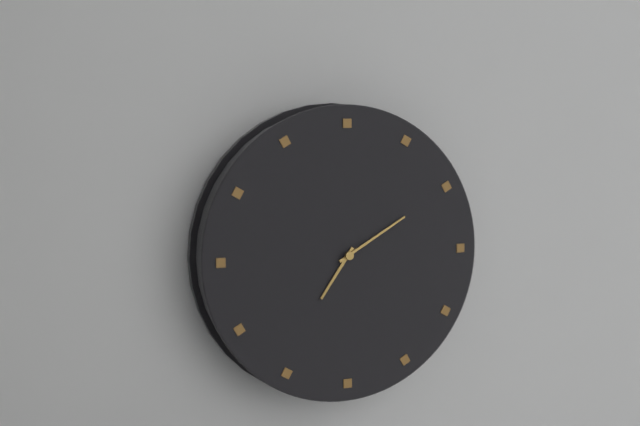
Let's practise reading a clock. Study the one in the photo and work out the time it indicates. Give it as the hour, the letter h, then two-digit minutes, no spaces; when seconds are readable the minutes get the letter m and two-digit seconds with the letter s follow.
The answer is 7h10
